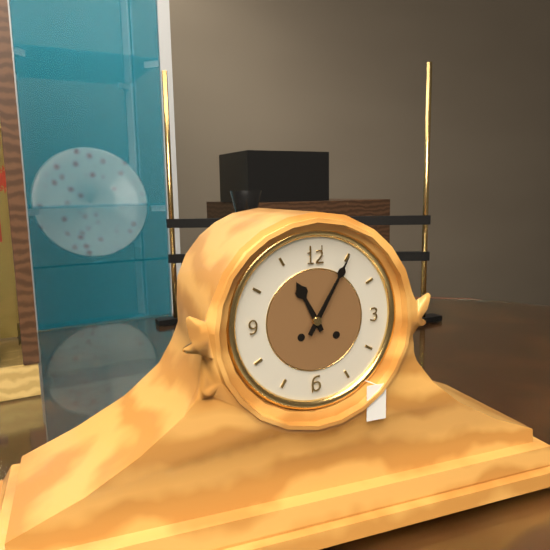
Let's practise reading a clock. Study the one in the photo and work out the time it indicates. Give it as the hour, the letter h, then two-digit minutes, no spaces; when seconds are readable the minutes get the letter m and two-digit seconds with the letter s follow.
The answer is 11h05
